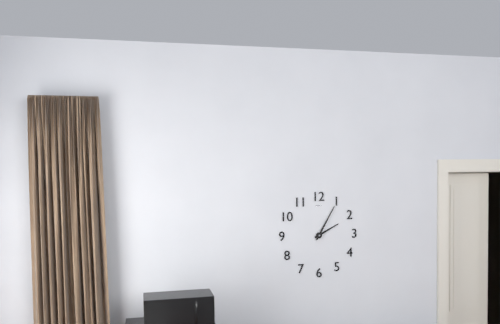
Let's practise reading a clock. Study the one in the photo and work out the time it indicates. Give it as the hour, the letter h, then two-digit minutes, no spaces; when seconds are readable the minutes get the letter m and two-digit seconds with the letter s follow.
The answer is 2h05
